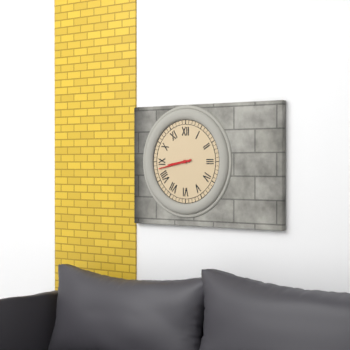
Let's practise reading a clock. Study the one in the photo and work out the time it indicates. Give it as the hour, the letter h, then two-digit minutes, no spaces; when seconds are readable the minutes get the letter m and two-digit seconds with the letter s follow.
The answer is 8h43
